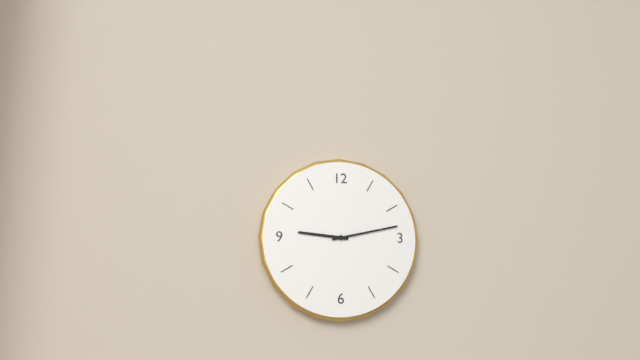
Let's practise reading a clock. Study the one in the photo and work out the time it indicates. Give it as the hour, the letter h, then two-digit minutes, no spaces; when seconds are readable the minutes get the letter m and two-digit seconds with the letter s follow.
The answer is 9h13
